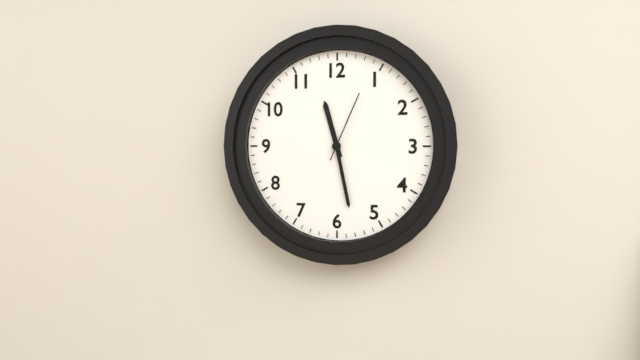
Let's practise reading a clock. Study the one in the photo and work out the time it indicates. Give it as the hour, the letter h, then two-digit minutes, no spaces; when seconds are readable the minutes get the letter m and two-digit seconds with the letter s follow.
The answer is 11h28m04s
